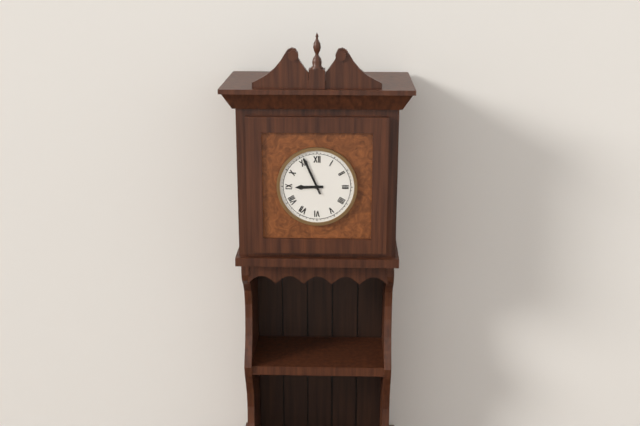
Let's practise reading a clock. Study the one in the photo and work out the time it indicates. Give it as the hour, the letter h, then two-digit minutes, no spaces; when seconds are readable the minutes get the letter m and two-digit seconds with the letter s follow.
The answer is 8h56
